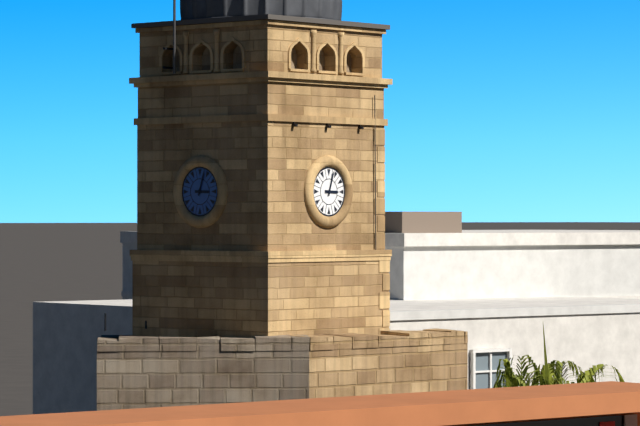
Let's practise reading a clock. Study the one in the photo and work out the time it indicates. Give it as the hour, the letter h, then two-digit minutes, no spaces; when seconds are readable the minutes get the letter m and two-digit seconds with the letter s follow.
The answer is 3h03
